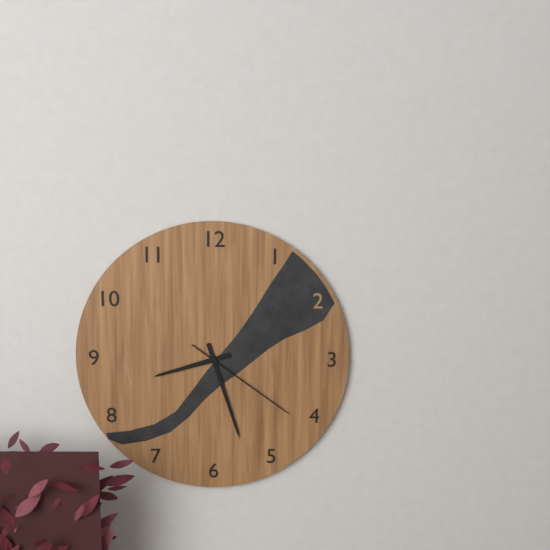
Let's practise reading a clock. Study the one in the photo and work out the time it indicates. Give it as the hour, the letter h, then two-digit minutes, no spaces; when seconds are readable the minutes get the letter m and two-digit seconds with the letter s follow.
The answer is 8h27m21s
